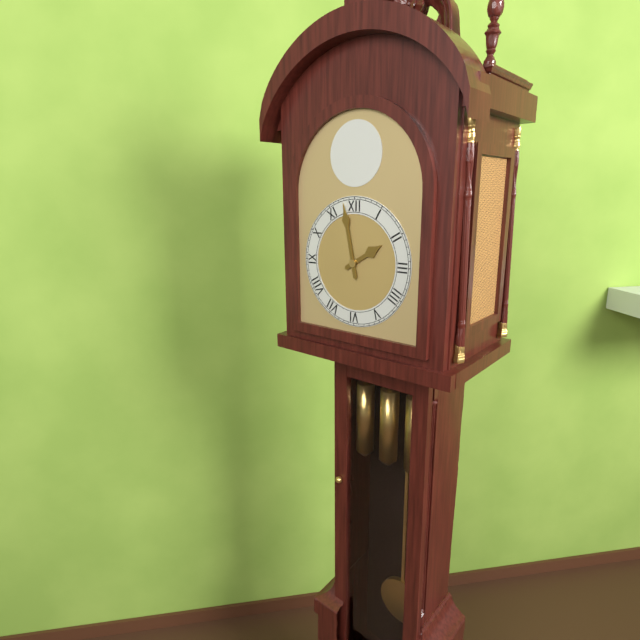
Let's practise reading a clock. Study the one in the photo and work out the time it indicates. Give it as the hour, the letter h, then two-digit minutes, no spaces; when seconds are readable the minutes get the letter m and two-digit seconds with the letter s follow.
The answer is 1h58
